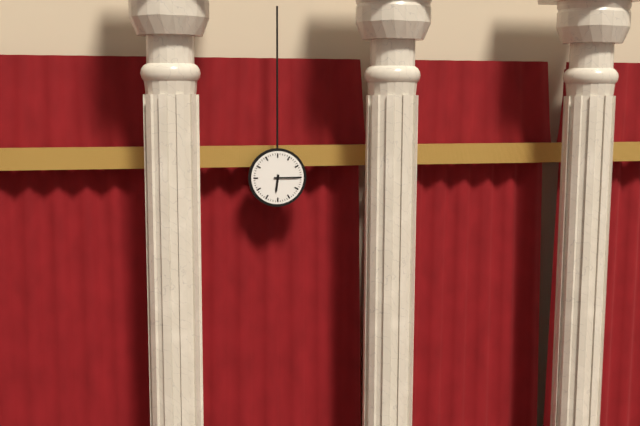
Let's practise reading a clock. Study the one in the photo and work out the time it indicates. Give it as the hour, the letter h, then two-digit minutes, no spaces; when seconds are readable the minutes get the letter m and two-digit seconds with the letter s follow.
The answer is 6h15
